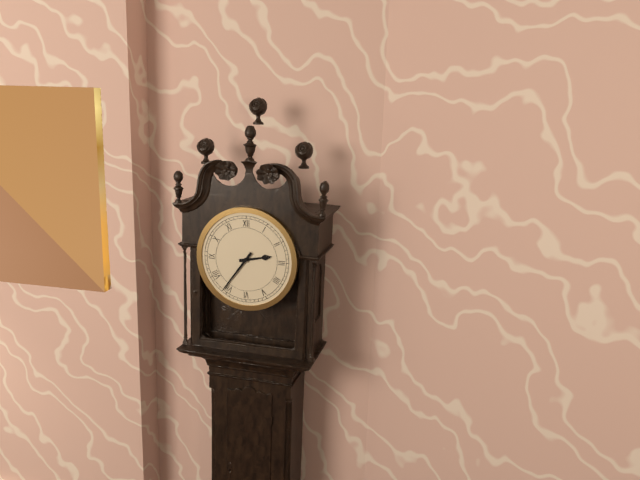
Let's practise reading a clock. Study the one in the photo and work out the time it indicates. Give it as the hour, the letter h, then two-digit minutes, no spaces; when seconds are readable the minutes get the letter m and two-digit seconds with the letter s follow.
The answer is 2h36
